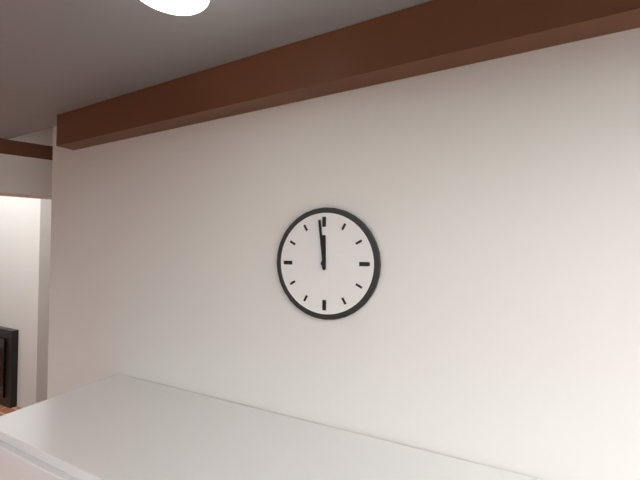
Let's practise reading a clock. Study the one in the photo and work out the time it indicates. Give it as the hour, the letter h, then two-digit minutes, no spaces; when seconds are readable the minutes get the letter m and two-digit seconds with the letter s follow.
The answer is 11h59
